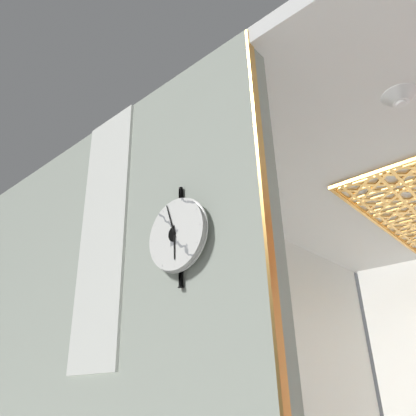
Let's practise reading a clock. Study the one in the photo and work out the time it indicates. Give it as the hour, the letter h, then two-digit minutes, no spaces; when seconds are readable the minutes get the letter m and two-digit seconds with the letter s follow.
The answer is 5h57
